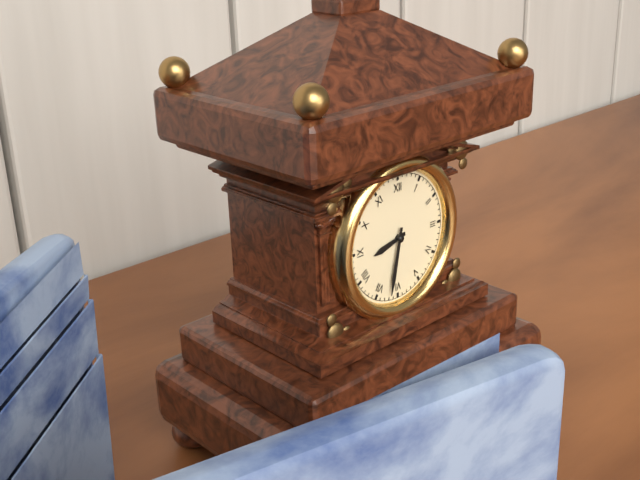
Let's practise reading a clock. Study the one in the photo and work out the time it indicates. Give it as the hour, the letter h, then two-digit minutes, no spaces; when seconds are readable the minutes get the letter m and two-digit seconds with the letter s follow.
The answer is 8h32
